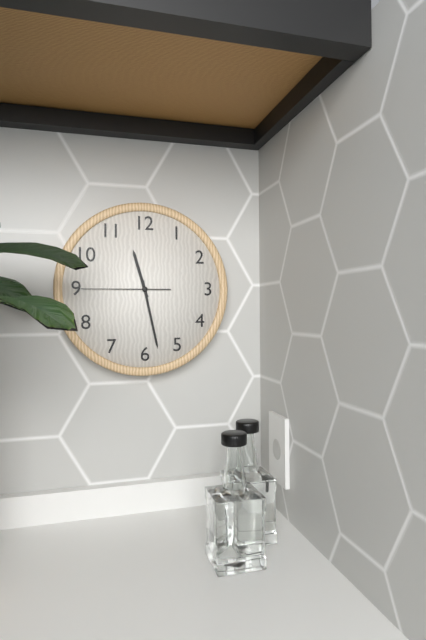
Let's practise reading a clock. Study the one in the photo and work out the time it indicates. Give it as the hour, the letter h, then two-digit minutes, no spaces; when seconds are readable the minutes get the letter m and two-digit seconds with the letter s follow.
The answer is 11h28m45s
